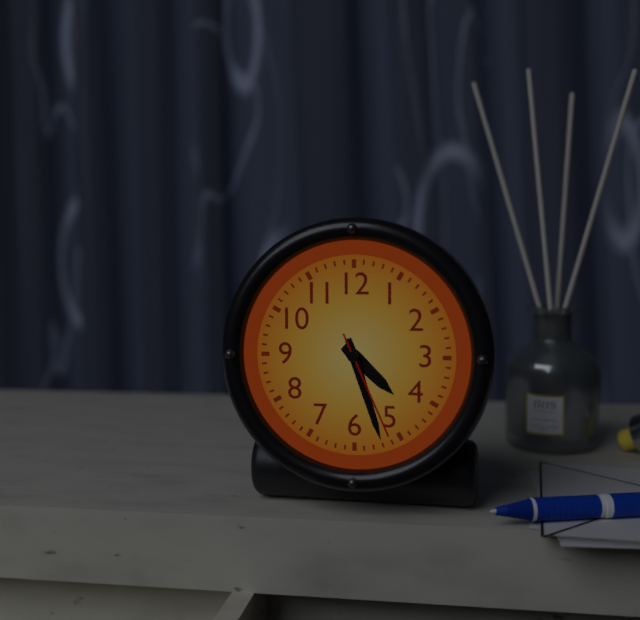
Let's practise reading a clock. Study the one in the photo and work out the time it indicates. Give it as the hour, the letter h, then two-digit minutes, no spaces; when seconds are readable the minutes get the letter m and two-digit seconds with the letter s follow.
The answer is 4h27m26s
